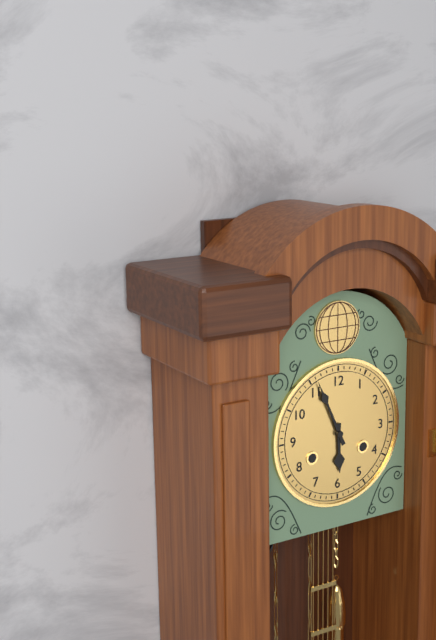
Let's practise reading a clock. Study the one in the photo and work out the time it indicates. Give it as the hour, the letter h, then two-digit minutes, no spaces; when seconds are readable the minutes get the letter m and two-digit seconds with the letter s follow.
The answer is 5h56
